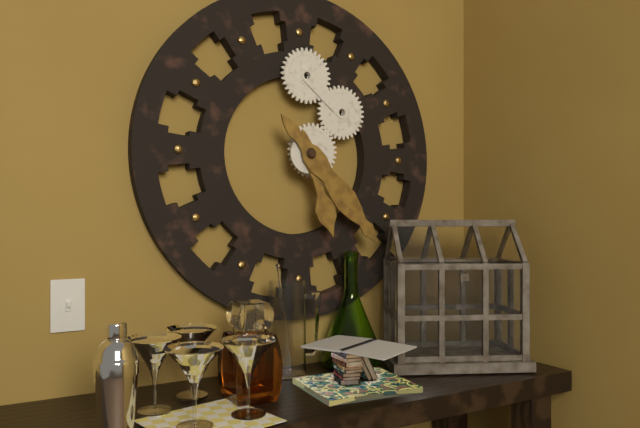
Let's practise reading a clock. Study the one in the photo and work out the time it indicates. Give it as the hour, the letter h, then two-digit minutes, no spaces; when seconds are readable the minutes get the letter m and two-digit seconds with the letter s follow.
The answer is 5h23
